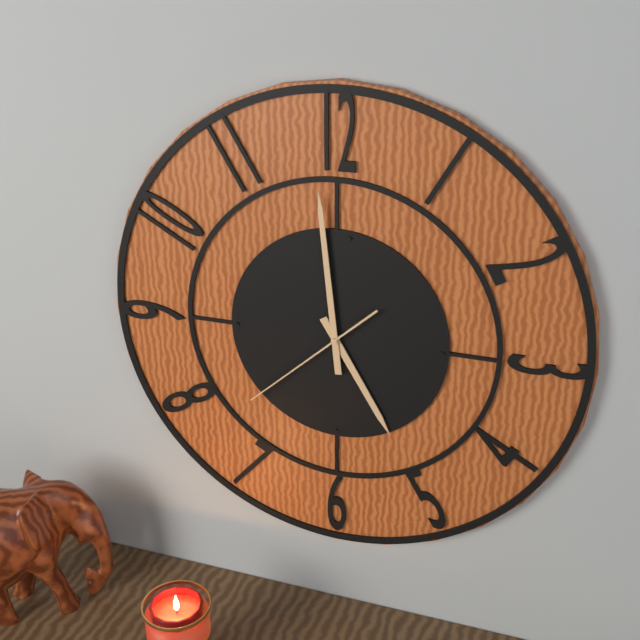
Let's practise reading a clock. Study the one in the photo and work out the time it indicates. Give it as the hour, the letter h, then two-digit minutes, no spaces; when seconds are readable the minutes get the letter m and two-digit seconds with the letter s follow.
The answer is 4h59m38s
